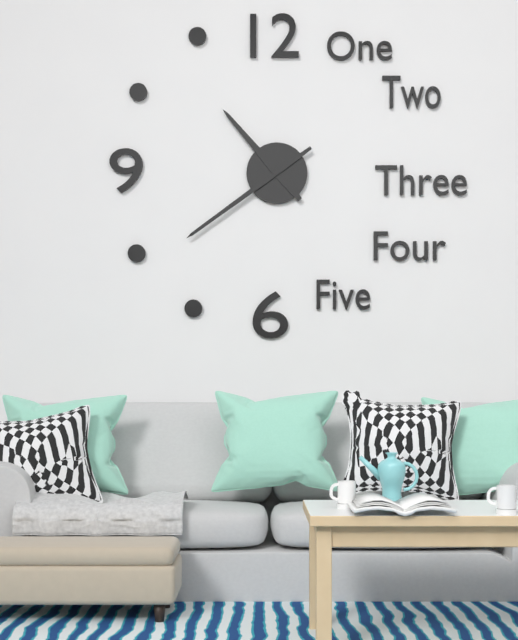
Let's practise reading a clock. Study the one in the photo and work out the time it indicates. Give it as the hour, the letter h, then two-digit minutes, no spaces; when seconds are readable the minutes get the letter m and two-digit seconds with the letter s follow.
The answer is 10h39
